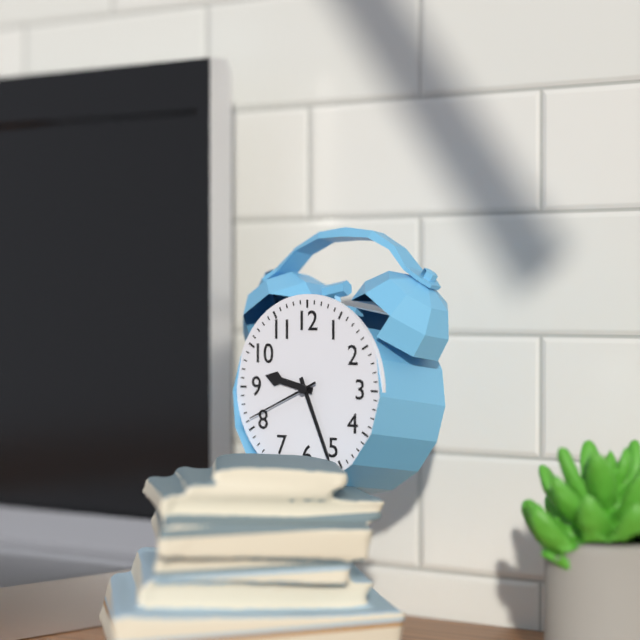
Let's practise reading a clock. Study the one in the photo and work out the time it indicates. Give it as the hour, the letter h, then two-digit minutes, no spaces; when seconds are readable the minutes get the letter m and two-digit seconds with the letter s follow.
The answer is 9h26m41s
